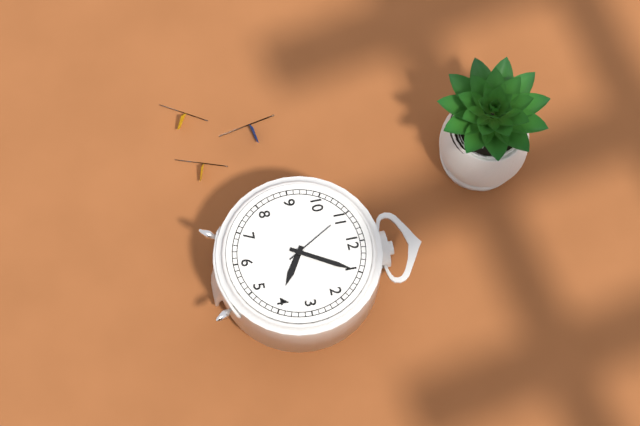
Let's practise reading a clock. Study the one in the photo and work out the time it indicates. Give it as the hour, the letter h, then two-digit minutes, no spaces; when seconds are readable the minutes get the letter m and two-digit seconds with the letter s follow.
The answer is 4h05m55s
